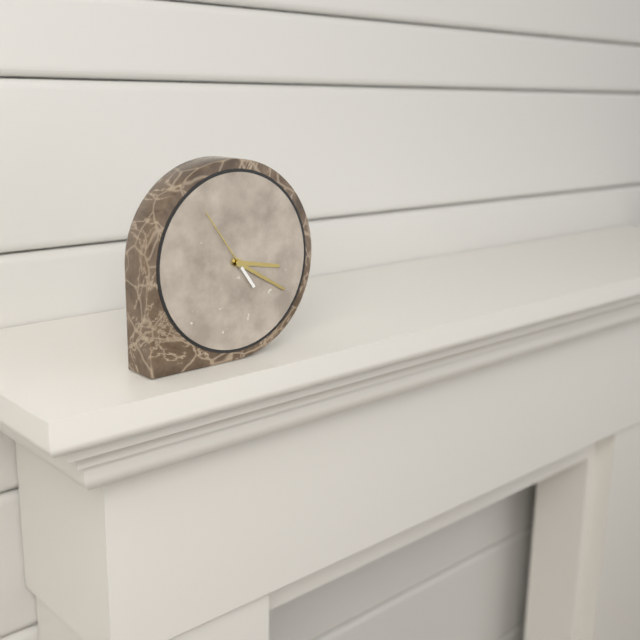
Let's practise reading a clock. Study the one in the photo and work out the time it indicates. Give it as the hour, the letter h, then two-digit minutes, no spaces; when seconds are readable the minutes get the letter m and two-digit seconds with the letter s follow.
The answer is 3h20m54s
